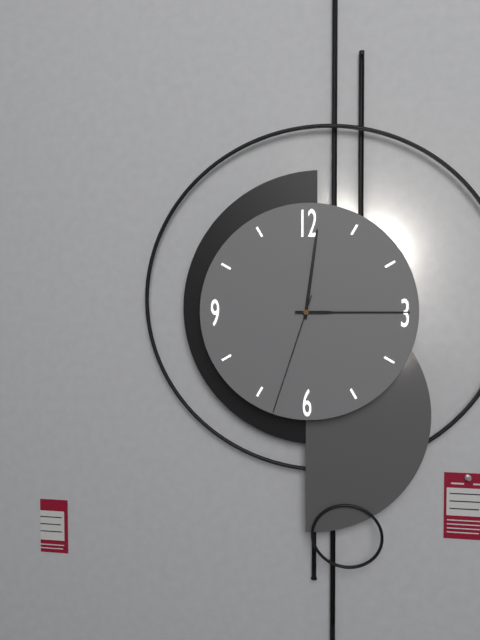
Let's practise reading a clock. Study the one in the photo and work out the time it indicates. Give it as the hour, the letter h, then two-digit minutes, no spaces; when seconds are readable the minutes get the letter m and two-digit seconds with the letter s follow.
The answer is 12h15m33s
